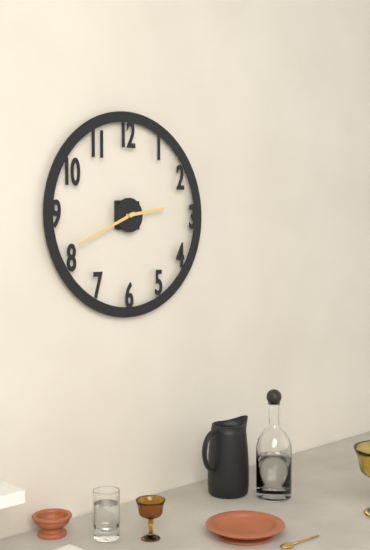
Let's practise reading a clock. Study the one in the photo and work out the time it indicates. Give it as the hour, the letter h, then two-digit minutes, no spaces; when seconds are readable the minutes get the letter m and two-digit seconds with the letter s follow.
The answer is 2h41
